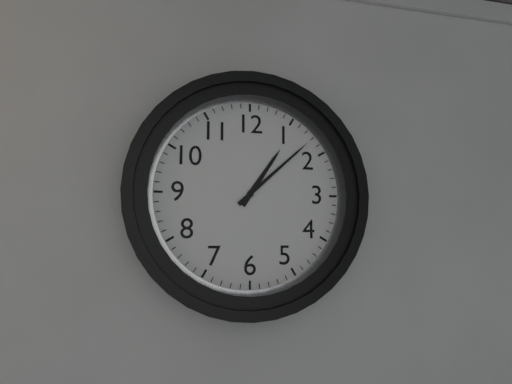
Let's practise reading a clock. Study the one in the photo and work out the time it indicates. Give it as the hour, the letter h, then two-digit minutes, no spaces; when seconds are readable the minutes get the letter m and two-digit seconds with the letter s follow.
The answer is 1h08
